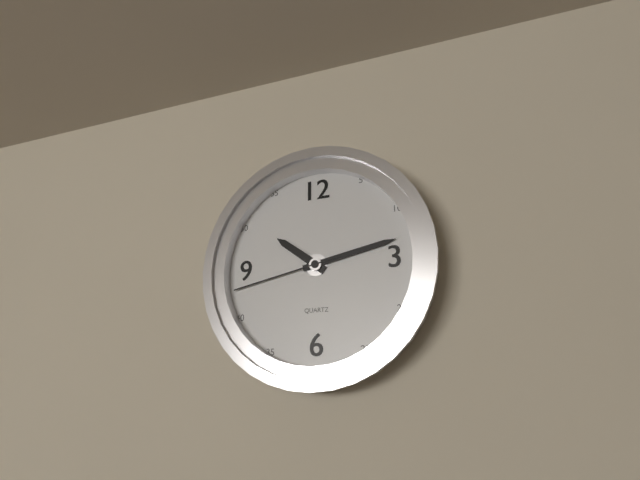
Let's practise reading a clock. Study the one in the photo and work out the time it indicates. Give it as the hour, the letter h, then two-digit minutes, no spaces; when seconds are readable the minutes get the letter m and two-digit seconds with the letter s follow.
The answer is 10h13m43s
